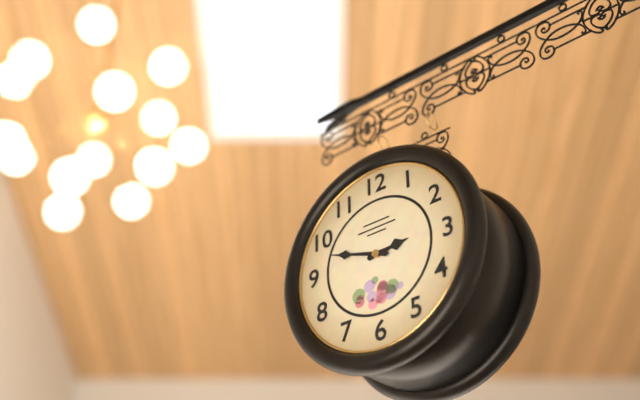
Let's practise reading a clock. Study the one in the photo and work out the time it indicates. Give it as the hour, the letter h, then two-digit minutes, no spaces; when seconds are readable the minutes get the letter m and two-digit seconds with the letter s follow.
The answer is 2h48
